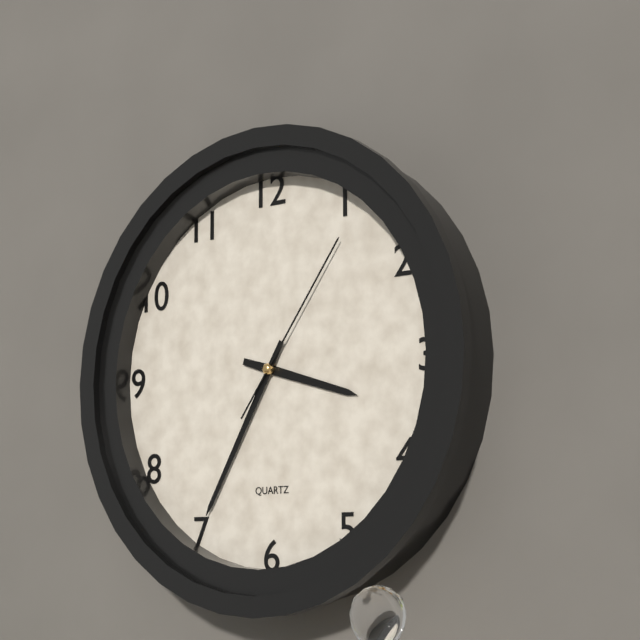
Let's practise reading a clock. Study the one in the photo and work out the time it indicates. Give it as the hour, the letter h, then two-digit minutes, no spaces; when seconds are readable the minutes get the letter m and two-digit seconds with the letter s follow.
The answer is 3h35m06s
